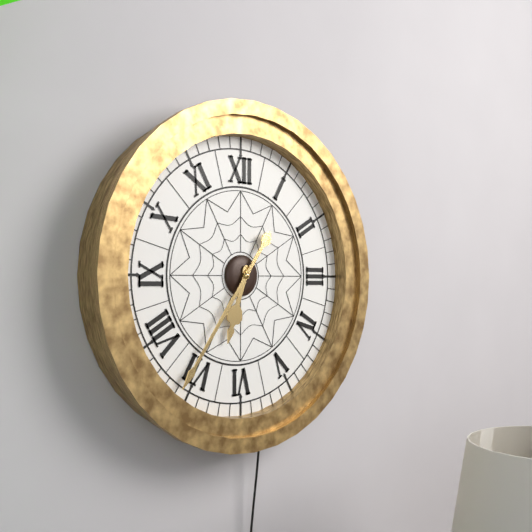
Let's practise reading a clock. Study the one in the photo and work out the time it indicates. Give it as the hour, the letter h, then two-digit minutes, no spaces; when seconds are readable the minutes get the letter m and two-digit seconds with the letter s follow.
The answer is 6h36
